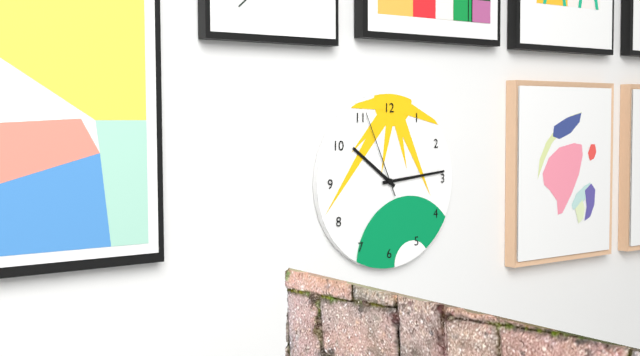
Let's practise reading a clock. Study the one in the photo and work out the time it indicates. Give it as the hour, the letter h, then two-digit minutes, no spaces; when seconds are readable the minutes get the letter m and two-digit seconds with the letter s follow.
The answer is 10h14m56s
